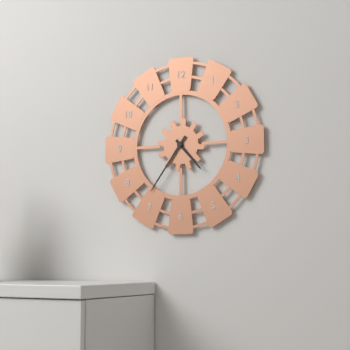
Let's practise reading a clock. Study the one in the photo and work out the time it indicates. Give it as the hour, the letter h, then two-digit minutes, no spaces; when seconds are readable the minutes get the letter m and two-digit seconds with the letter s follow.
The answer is 4h36
